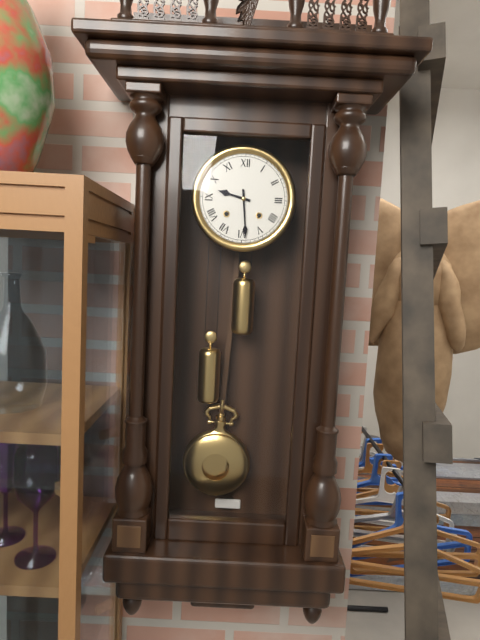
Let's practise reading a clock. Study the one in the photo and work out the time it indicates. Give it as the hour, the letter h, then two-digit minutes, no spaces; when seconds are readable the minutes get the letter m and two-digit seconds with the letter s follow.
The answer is 9h29
